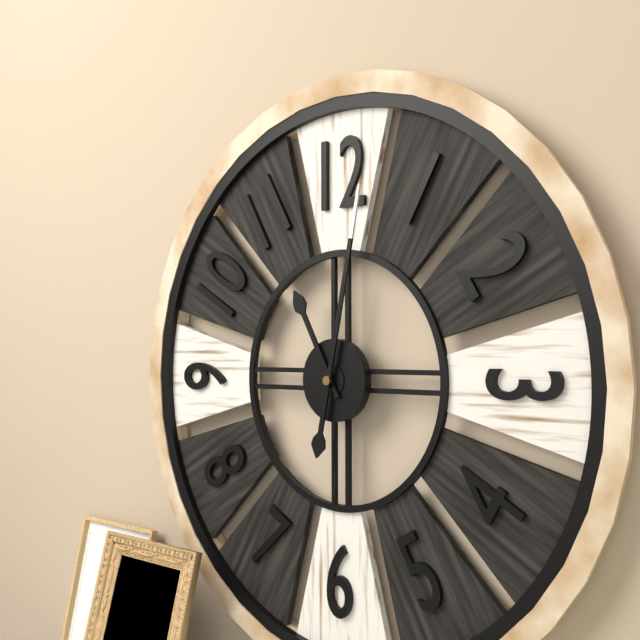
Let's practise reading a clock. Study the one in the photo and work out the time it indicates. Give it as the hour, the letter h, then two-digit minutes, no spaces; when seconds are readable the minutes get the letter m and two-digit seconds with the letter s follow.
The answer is 11h02
